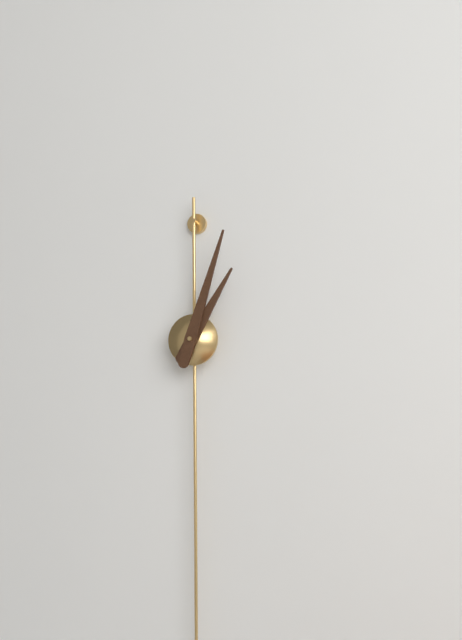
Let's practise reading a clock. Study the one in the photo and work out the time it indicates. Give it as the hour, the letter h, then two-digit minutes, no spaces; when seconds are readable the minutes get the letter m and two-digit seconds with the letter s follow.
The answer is 1h03
